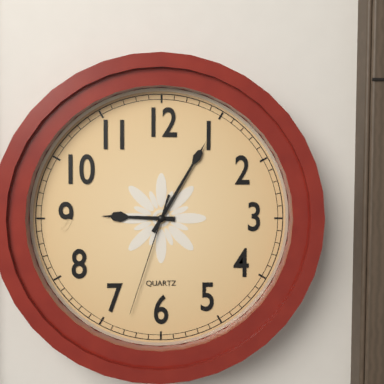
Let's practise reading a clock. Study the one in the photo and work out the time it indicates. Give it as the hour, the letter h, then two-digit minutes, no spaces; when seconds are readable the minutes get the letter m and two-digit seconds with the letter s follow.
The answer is 9h05m33s
